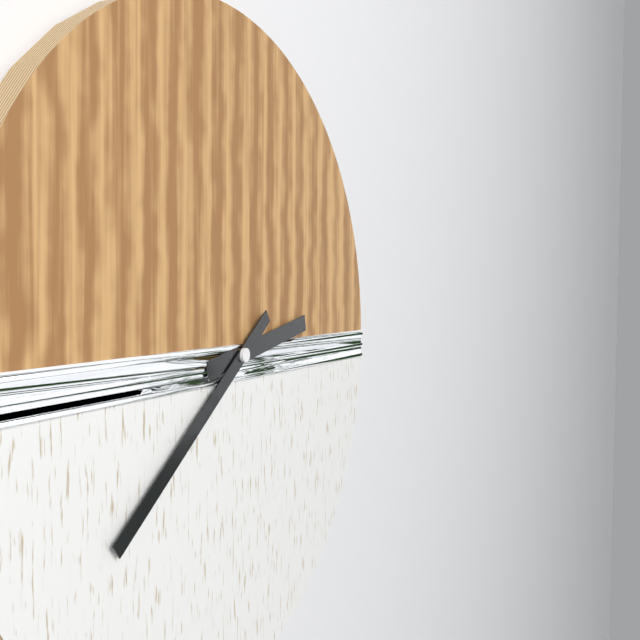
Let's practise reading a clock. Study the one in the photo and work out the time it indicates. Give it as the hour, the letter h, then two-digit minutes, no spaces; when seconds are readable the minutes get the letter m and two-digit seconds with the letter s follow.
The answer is 2h39
